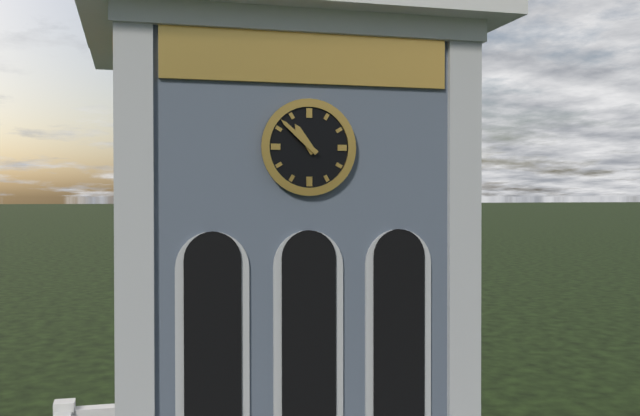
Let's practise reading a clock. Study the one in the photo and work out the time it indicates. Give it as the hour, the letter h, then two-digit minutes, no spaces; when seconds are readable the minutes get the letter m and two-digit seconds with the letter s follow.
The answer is 10h52
